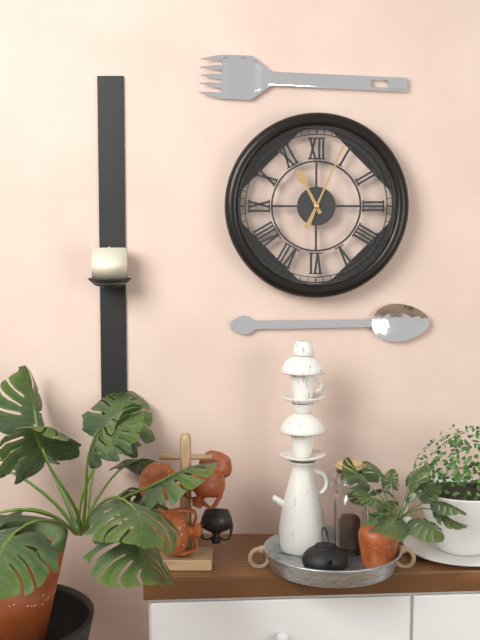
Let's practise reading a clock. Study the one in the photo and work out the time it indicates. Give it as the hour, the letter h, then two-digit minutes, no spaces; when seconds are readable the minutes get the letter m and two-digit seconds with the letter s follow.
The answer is 11h04
